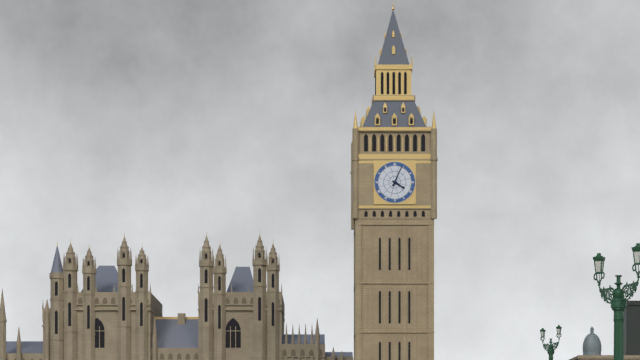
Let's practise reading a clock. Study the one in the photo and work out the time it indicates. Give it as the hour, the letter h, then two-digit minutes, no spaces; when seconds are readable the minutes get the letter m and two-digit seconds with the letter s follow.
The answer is 4h04
